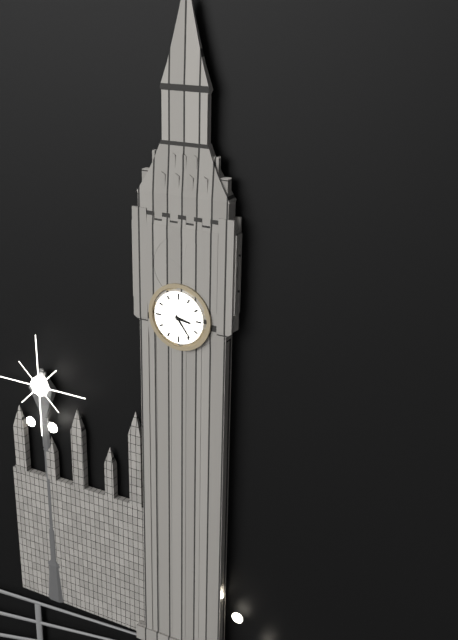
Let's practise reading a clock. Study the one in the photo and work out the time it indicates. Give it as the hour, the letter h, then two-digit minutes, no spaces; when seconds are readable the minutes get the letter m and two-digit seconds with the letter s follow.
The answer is 3h24
